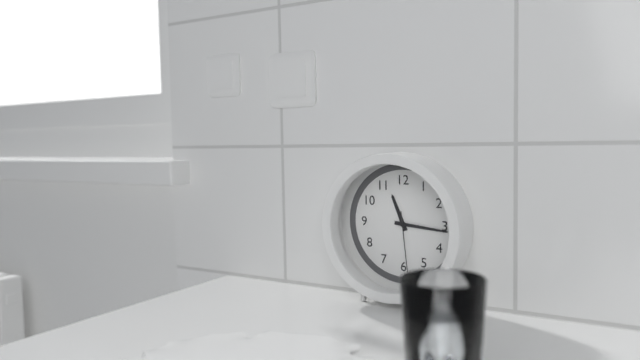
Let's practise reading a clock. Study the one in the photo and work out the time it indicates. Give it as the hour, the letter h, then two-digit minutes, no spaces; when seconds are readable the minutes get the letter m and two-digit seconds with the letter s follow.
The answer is 11h16m29s
